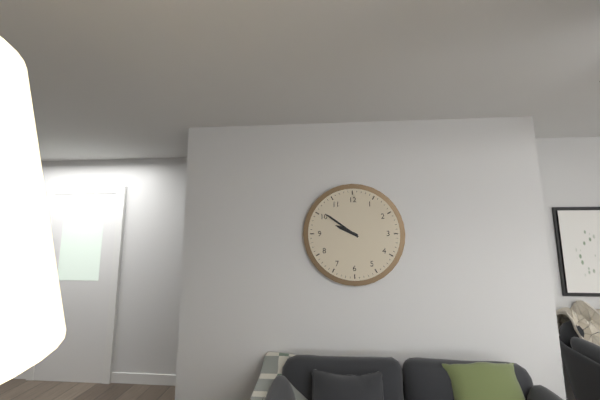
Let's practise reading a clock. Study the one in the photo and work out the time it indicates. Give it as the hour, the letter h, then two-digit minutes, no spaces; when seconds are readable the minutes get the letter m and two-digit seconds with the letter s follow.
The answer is 9h51
